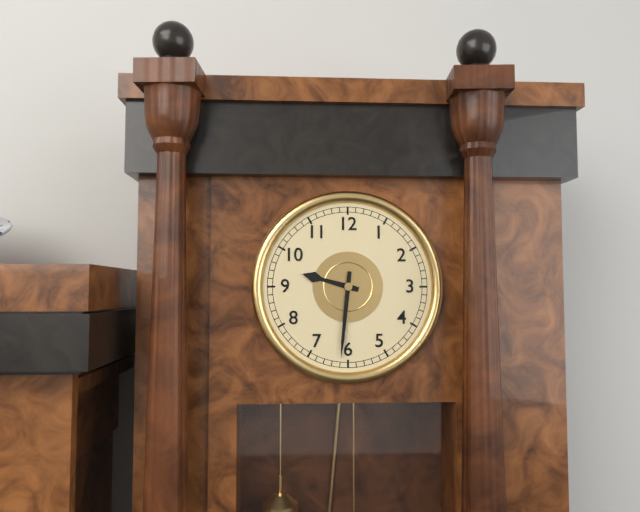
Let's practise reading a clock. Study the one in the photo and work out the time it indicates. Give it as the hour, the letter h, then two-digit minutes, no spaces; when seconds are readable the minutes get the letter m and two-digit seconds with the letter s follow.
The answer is 9h31
